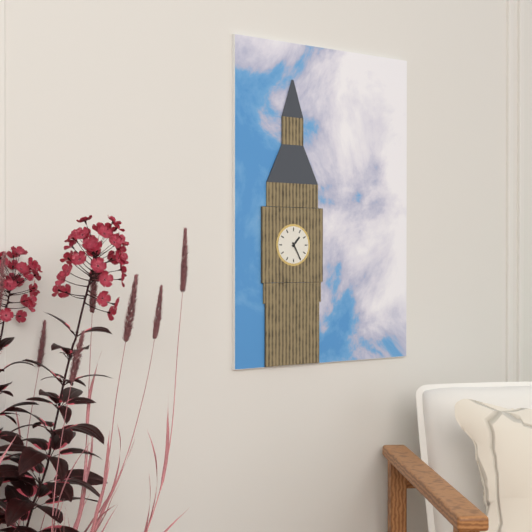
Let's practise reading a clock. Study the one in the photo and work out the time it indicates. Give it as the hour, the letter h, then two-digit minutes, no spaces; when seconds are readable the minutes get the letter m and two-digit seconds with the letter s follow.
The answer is 1h25
